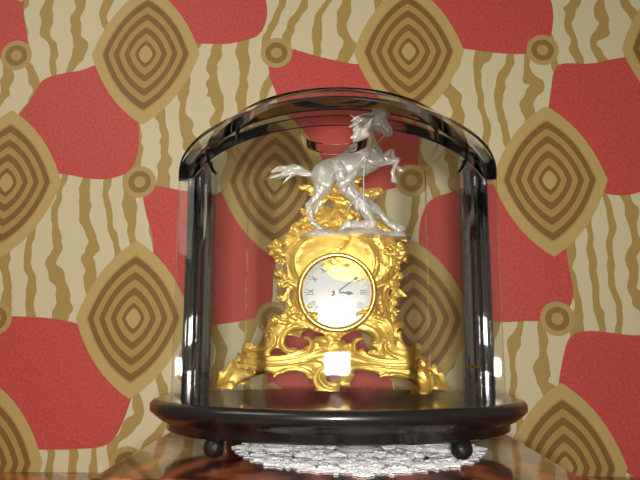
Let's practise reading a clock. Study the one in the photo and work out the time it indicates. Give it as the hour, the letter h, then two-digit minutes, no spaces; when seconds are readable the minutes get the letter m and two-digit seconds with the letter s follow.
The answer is 3h09
